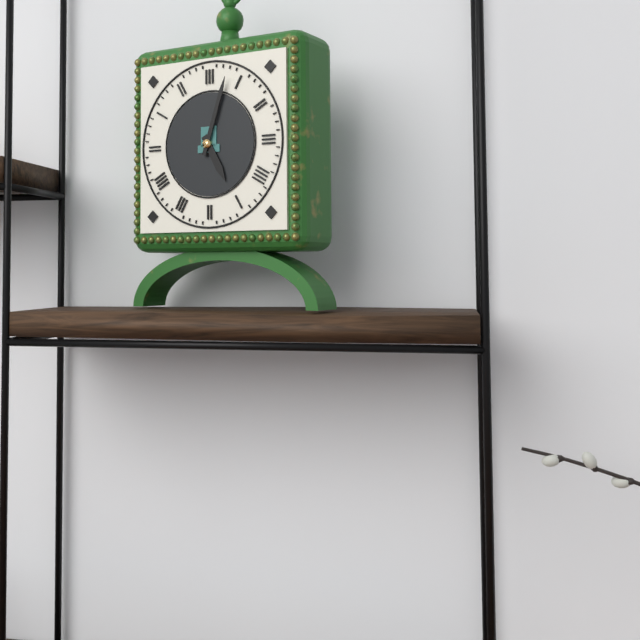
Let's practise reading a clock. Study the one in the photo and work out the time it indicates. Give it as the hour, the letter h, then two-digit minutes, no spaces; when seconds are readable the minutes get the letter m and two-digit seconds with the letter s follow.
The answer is 5h03
